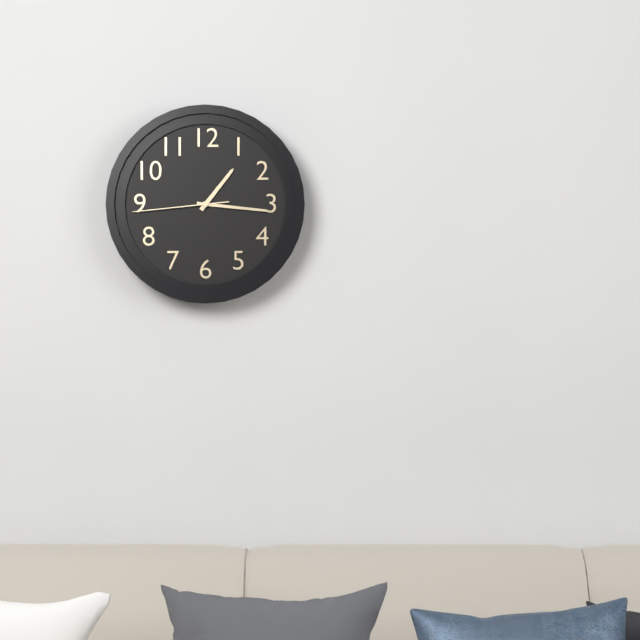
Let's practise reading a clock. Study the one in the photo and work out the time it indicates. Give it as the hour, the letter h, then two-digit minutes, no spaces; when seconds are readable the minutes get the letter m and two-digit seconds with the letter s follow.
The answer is 1h16m44s
